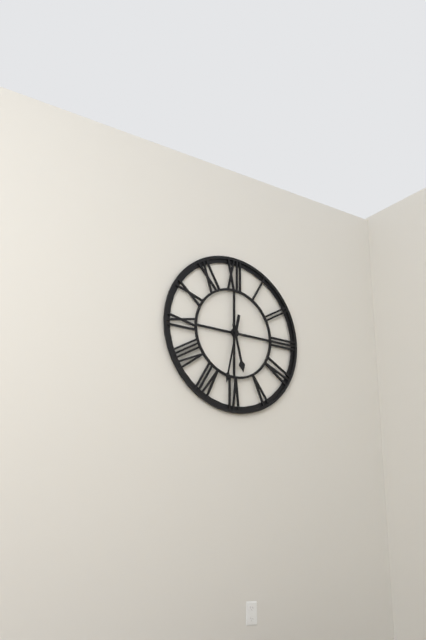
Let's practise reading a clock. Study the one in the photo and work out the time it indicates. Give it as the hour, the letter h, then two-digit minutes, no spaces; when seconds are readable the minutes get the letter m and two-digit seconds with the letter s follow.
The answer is 5h32
